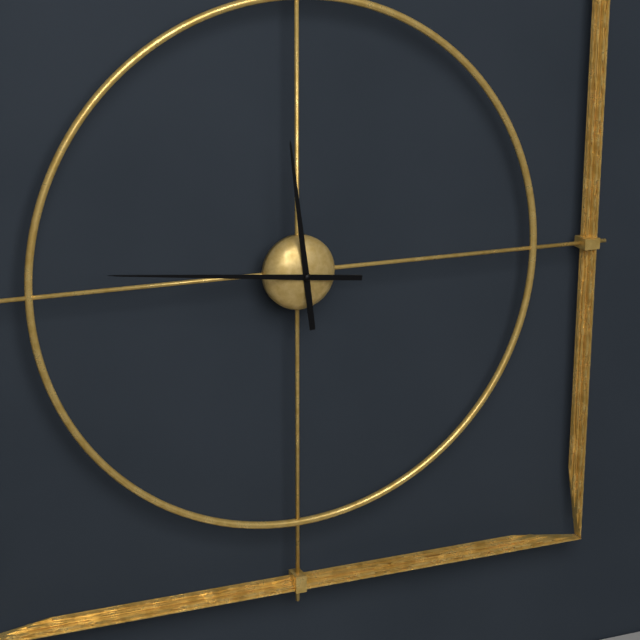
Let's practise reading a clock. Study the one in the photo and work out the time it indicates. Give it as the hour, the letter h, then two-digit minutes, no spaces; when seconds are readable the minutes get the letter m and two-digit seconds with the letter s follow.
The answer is 11h46
